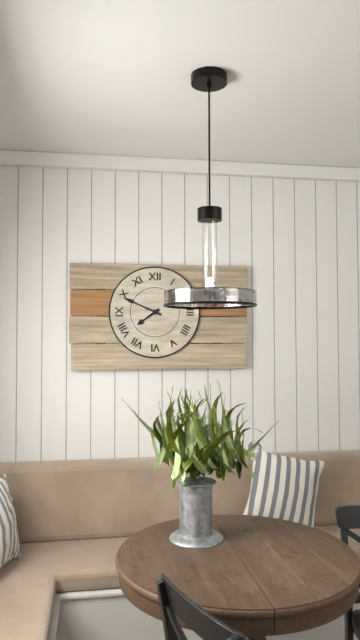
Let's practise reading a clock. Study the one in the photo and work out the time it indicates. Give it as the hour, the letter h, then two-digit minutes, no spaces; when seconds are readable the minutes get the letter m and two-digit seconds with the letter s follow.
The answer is 7h49
